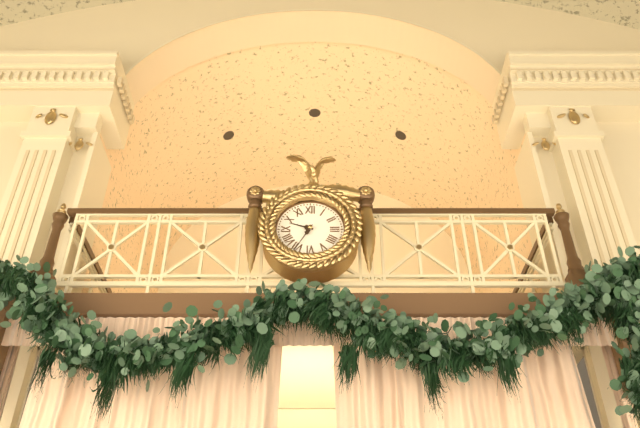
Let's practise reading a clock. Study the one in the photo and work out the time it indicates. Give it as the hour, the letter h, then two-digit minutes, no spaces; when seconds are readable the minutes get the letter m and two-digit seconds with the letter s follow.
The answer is 9h35
